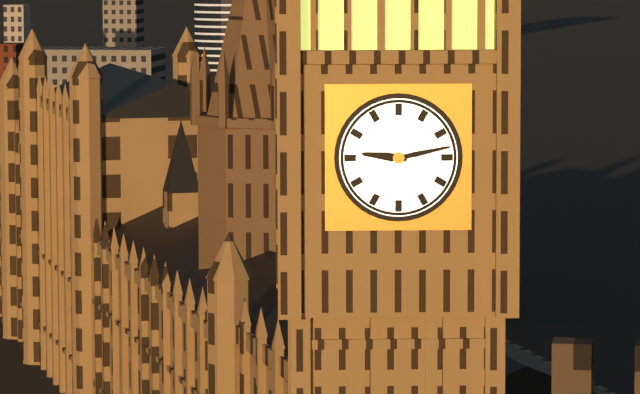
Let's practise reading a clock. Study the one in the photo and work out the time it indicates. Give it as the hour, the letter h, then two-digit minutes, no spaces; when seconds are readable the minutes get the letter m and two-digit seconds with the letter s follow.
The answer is 9h13
